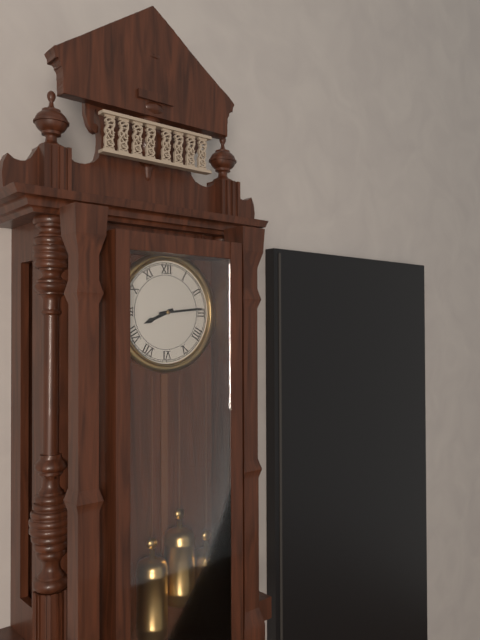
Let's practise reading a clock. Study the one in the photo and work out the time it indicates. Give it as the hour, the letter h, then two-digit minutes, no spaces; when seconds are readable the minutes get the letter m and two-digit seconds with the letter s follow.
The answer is 8h14
